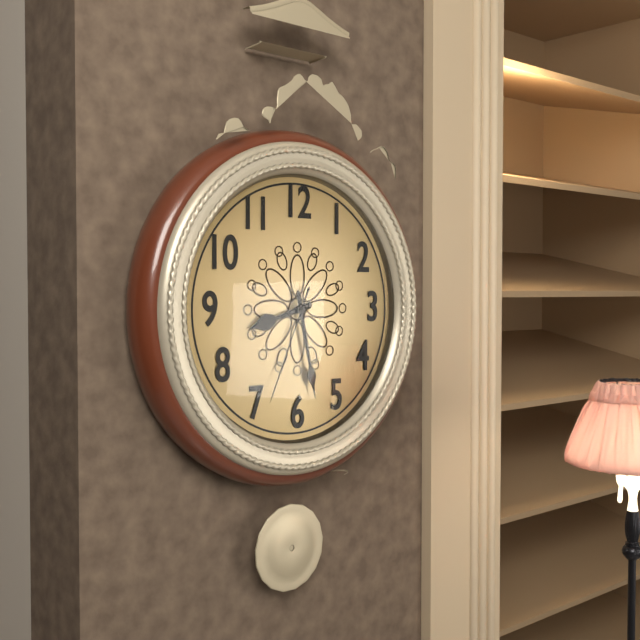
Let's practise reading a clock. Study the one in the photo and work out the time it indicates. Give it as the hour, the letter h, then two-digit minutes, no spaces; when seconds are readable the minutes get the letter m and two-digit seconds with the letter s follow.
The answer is 8h28m34s
